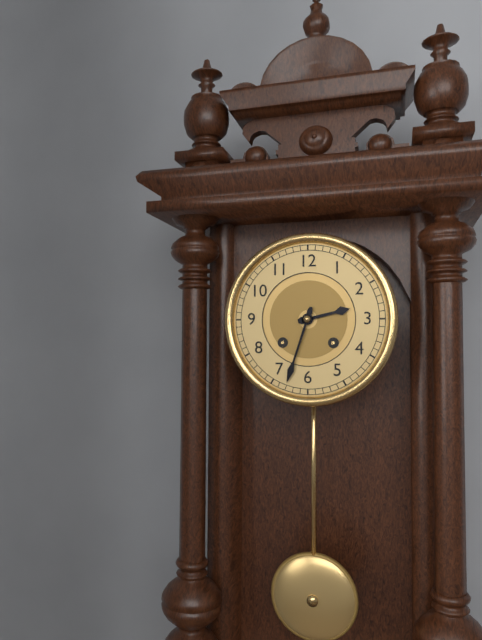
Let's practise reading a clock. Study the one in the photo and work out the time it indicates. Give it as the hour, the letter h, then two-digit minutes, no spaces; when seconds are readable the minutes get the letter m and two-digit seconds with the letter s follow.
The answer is 2h33
